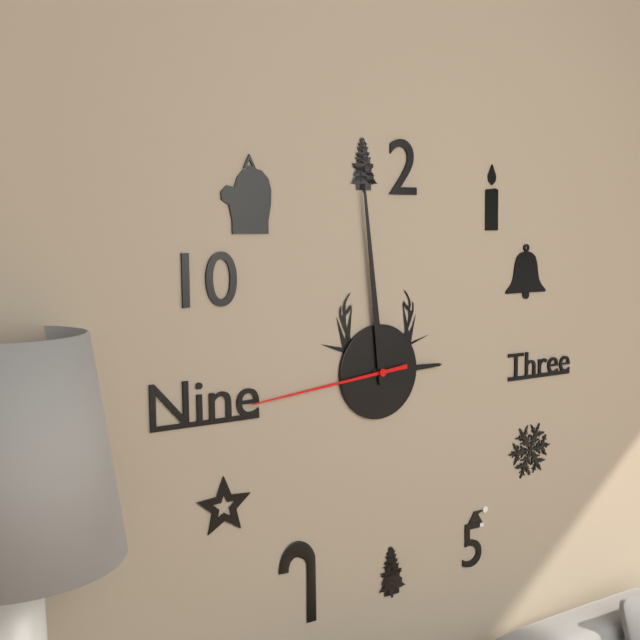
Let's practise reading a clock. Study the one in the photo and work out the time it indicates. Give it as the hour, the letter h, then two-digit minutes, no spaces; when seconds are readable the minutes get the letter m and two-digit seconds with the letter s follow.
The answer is 2h59m44s
